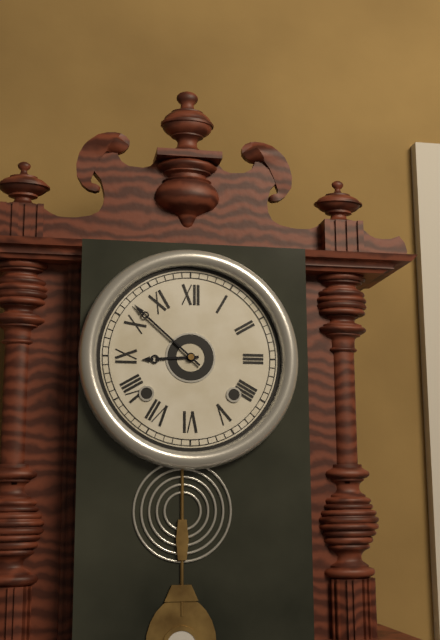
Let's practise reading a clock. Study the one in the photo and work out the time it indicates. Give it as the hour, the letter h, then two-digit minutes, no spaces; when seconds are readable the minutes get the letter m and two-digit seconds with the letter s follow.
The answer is 8h52
